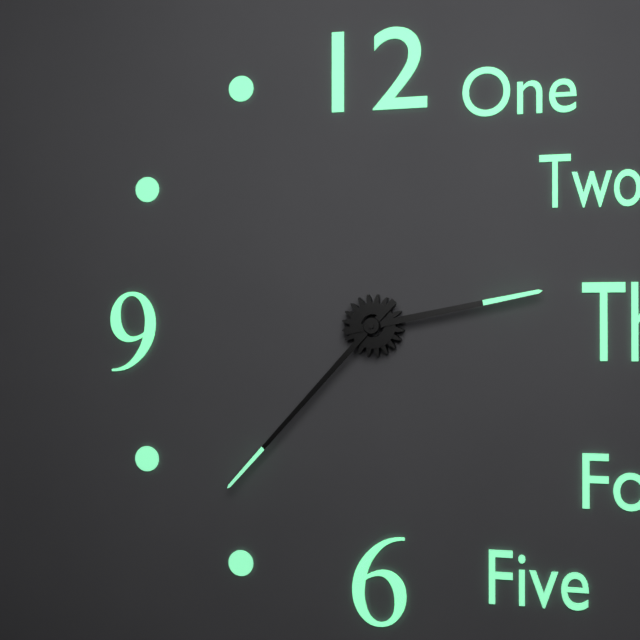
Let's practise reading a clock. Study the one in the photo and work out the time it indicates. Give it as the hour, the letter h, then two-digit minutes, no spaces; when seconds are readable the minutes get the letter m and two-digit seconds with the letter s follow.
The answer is 2h37
